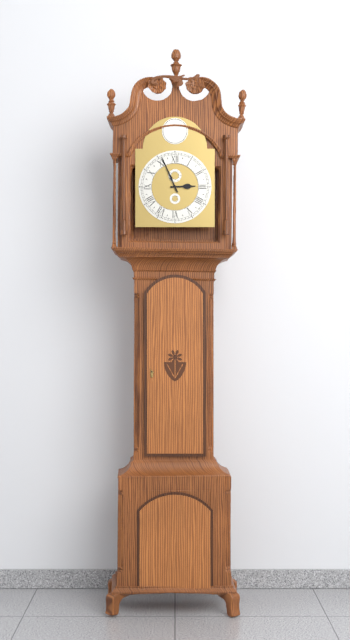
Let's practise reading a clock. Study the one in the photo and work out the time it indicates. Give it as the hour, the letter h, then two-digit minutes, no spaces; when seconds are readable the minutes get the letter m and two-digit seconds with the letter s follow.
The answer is 2h56
